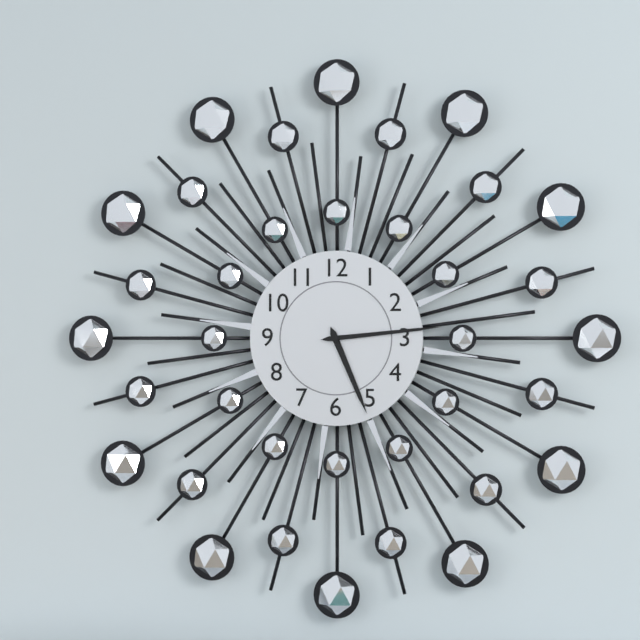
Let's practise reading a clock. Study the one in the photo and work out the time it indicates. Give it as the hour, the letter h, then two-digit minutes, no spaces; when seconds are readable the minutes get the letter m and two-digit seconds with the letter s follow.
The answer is 5h14
